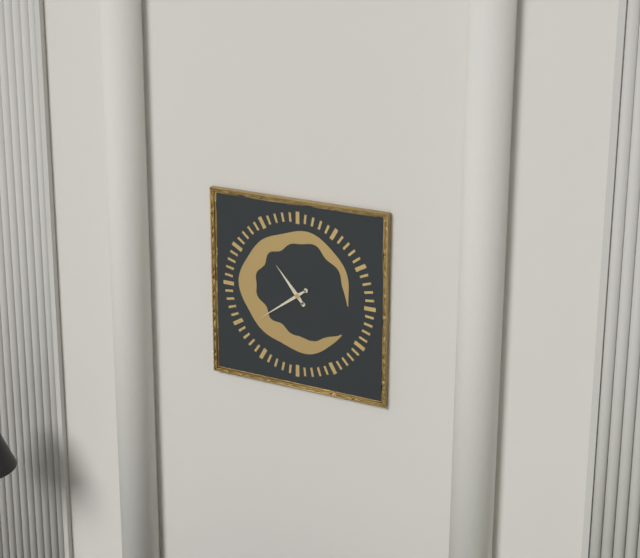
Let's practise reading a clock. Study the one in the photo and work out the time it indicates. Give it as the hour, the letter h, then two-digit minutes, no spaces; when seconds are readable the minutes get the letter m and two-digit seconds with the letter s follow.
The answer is 10h39
